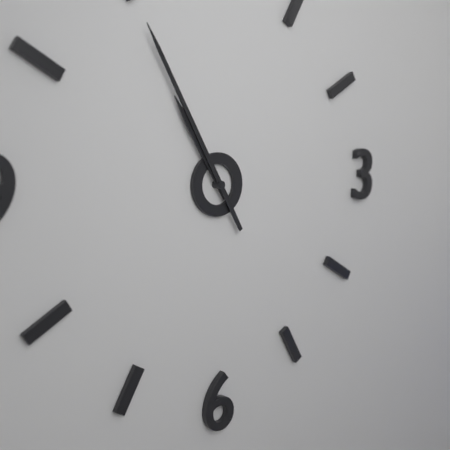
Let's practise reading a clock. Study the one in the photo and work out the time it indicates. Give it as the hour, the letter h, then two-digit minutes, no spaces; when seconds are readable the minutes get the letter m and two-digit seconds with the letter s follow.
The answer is 10h55
